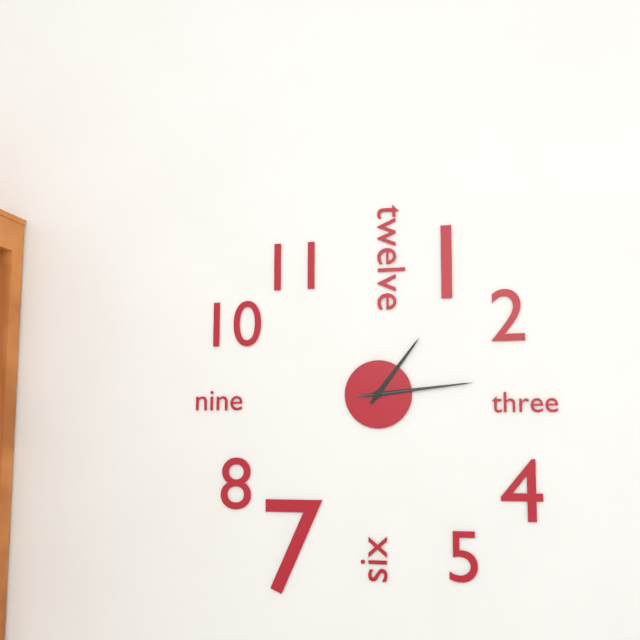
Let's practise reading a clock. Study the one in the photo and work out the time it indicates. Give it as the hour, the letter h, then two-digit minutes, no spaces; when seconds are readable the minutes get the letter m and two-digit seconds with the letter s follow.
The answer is 1h14m14s
